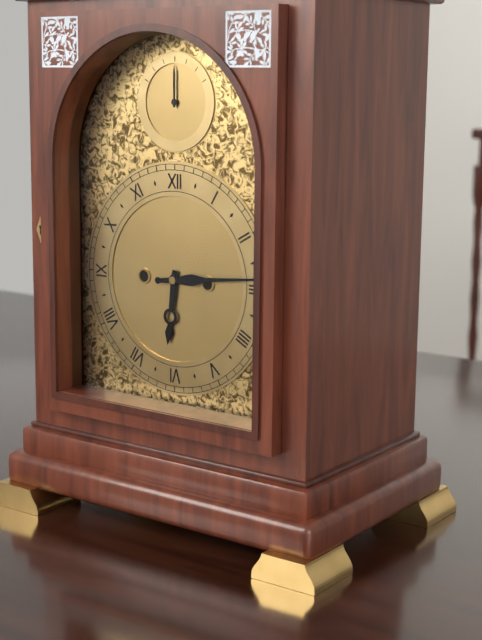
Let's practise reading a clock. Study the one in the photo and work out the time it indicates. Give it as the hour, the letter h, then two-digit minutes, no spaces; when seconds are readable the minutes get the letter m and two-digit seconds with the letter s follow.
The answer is 6h14
